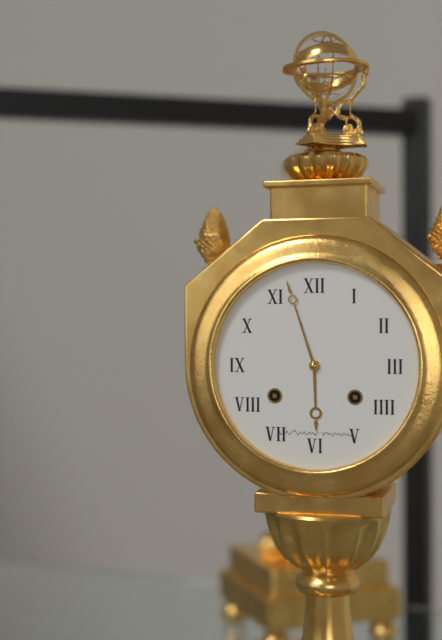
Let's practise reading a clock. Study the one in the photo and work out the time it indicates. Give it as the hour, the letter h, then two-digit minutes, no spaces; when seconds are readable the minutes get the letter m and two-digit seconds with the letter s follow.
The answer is 5h57
